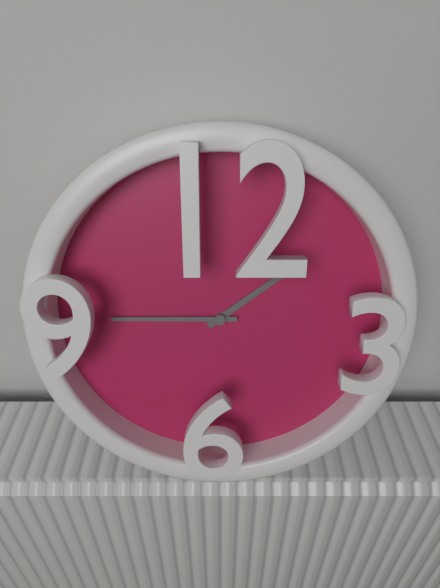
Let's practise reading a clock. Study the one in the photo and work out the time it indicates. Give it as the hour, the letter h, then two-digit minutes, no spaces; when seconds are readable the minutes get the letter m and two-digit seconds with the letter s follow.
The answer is 1h45
